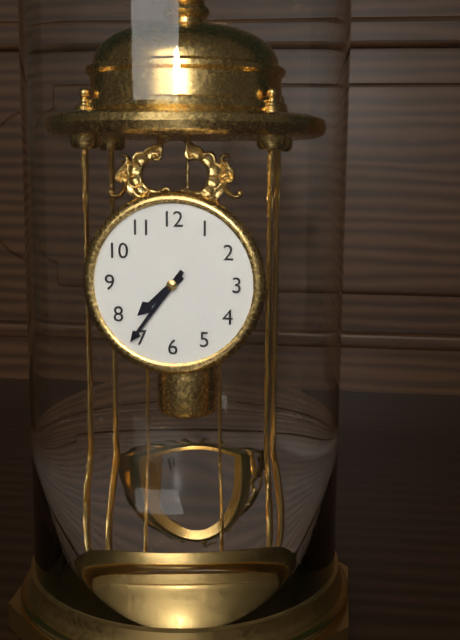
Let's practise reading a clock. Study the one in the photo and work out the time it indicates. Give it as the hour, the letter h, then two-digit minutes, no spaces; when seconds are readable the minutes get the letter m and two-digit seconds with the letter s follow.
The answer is 7h36
